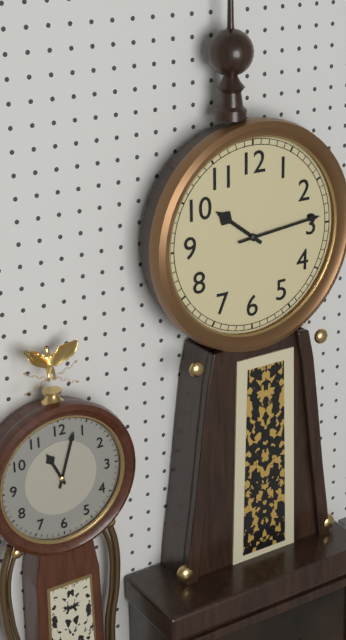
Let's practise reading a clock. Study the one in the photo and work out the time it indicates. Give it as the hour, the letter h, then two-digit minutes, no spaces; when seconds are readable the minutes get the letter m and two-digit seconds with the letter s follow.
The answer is 10h14
